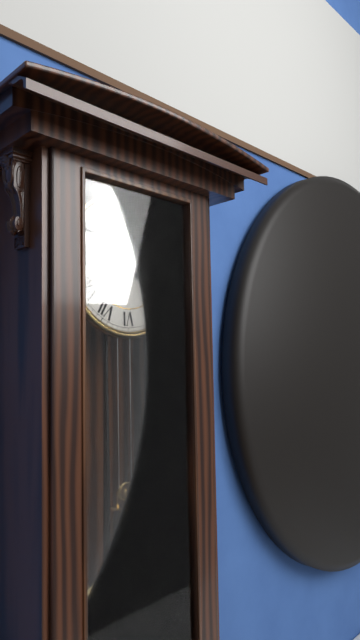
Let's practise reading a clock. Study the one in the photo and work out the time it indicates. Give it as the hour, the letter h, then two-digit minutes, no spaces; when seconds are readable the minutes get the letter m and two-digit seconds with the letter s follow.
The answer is 3h22
